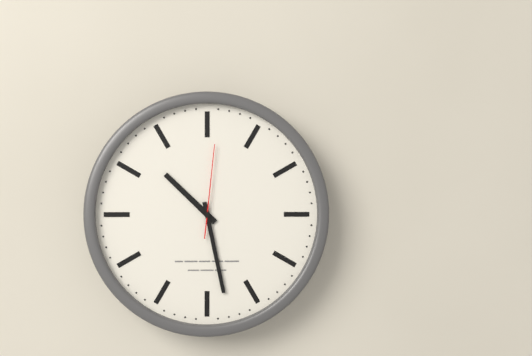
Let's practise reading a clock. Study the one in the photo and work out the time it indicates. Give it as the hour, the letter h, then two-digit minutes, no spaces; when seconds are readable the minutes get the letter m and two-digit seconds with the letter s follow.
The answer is 10h28m01s
